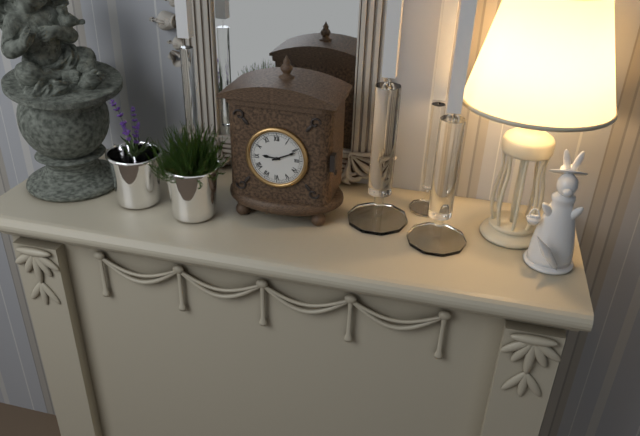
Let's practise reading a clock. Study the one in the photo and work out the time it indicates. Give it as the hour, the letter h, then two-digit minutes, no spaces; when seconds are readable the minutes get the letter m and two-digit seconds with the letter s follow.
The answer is 9h11
